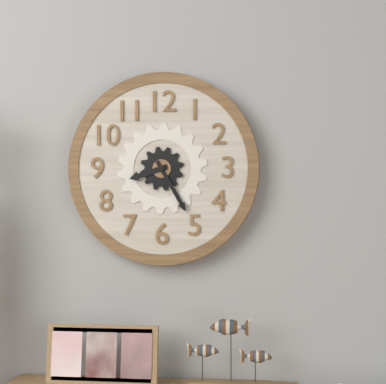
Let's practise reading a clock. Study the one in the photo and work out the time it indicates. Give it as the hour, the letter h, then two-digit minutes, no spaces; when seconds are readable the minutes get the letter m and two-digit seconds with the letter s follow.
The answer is 8h25
